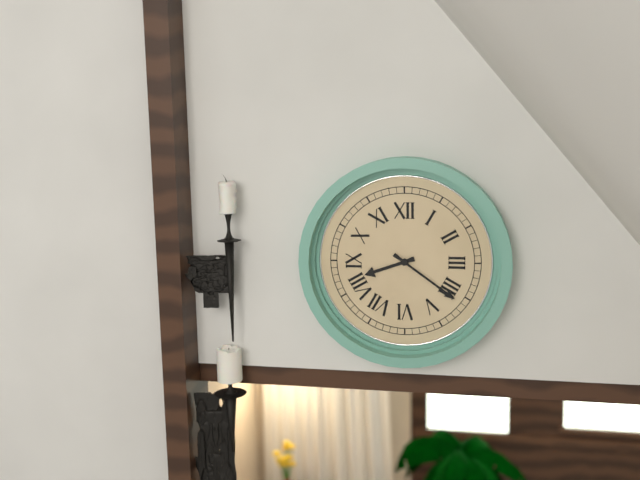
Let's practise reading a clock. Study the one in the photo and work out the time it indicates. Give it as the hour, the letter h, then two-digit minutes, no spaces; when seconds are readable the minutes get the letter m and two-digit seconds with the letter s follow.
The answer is 8h21
